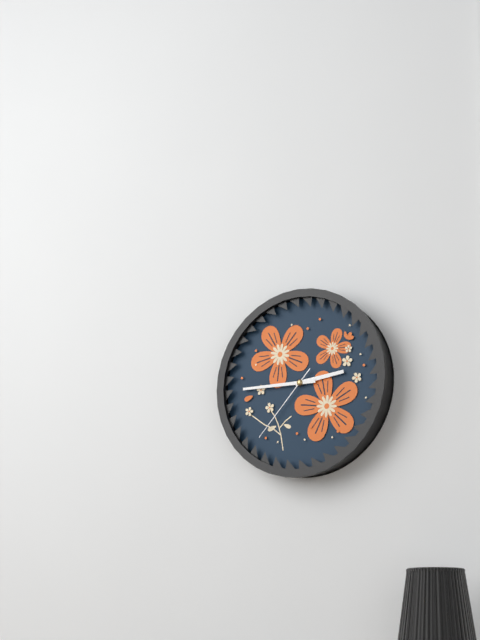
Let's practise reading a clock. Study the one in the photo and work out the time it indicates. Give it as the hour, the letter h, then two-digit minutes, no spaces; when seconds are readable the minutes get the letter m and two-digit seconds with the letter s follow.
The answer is 2h45m37s
